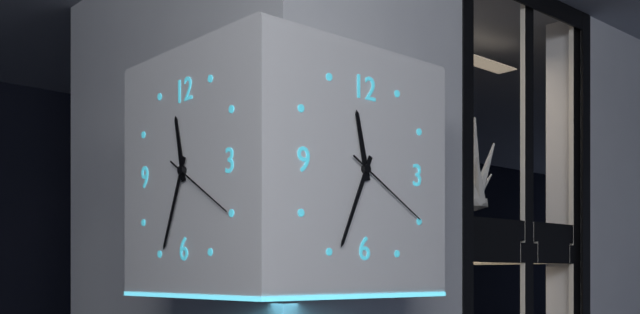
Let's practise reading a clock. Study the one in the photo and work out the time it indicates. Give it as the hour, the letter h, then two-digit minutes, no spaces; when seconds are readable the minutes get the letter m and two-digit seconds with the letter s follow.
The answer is 11h34m20s
